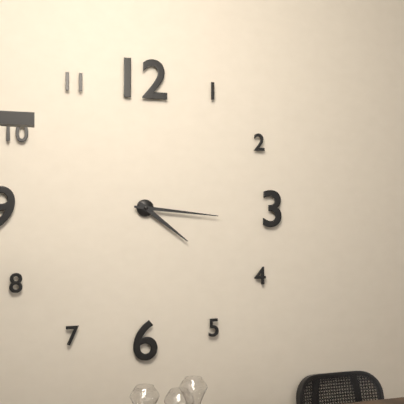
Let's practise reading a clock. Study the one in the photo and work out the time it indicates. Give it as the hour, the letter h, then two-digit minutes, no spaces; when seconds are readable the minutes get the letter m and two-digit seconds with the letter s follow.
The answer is 4h16
